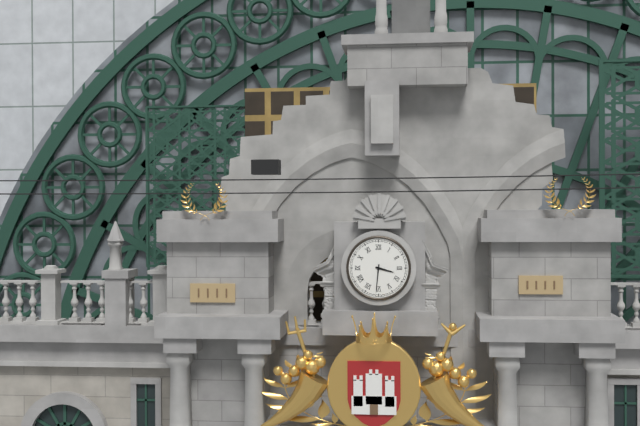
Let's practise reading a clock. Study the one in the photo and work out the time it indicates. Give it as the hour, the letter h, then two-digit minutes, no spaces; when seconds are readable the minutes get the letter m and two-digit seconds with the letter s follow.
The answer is 3h31
